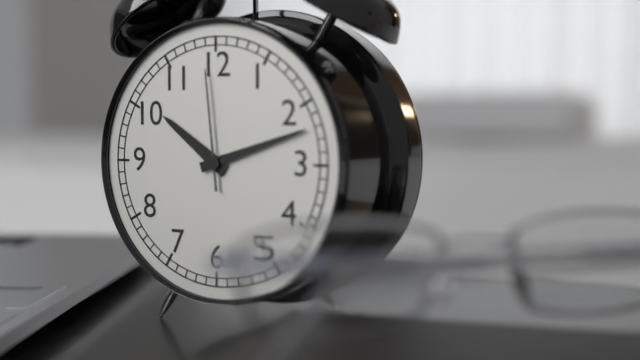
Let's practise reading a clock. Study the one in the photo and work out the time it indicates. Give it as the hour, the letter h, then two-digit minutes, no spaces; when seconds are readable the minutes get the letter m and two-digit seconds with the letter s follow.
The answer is 10h12m59s
